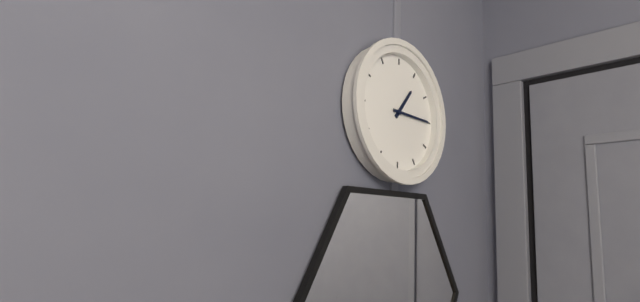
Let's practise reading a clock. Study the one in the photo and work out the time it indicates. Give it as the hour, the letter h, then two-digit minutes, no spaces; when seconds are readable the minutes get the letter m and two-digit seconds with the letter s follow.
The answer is 1h15
